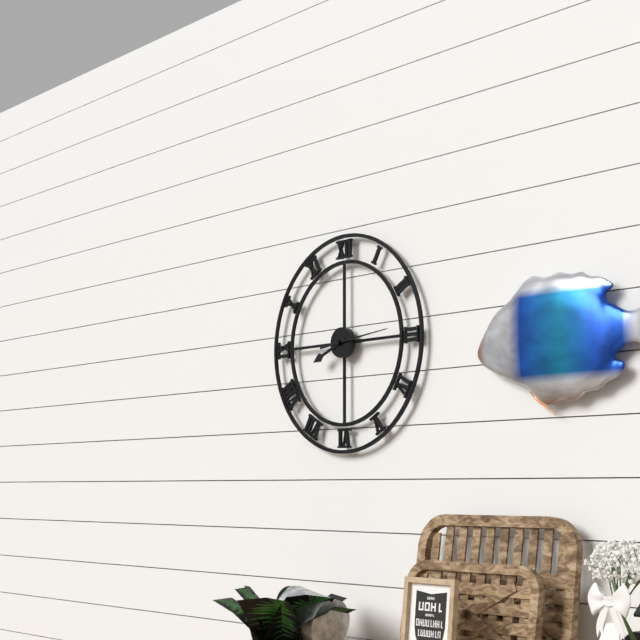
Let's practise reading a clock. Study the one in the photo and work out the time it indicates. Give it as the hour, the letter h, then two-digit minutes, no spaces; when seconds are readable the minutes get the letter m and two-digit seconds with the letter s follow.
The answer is 8h14
